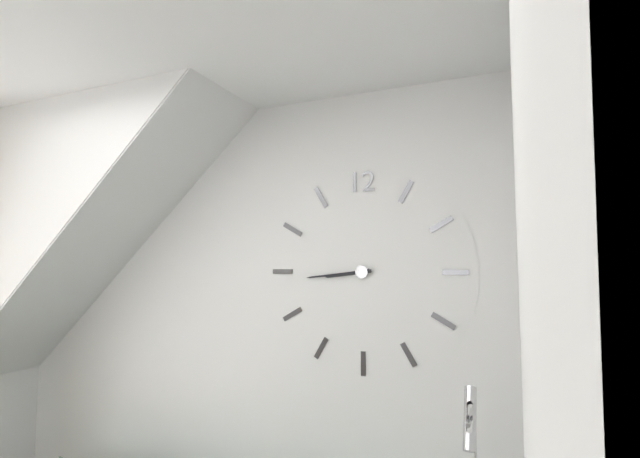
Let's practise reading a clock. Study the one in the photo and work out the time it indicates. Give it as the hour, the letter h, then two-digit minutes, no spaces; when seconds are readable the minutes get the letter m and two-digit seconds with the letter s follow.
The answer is 8h44
